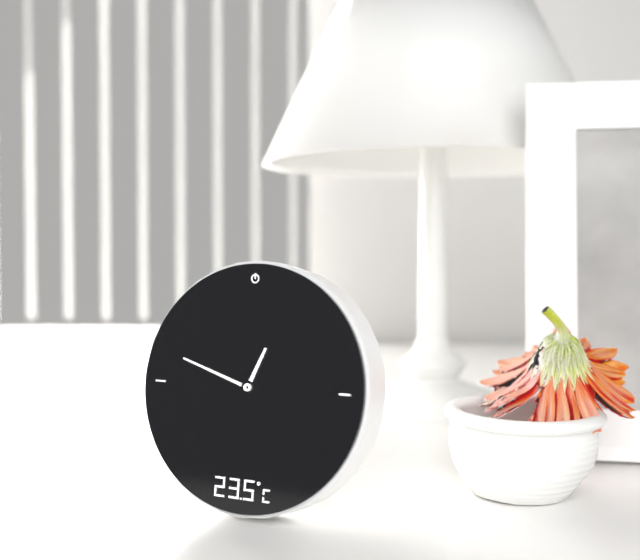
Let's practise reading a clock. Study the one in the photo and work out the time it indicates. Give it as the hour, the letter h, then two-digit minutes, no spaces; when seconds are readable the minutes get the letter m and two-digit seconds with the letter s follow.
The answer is 12h48
